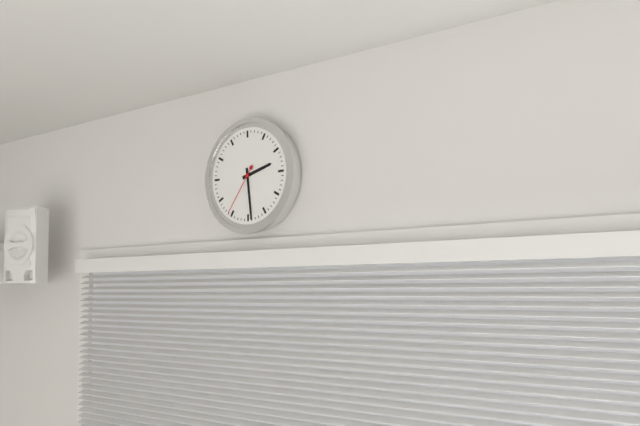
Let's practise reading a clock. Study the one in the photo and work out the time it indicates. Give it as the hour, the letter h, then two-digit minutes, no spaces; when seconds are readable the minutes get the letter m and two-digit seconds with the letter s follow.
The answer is 2h29m36s
